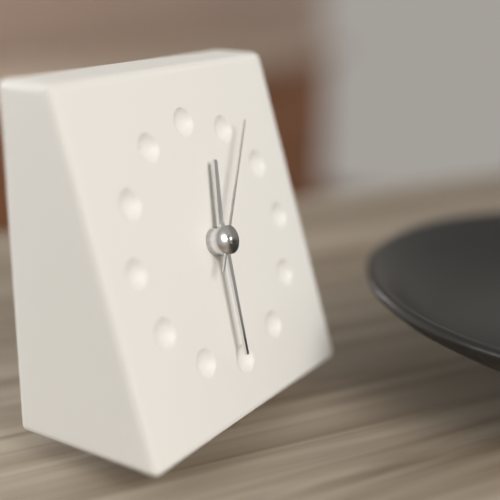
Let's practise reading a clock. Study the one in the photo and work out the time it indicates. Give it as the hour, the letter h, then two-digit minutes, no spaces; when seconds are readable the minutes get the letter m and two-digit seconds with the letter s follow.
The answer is 12h31m06s
